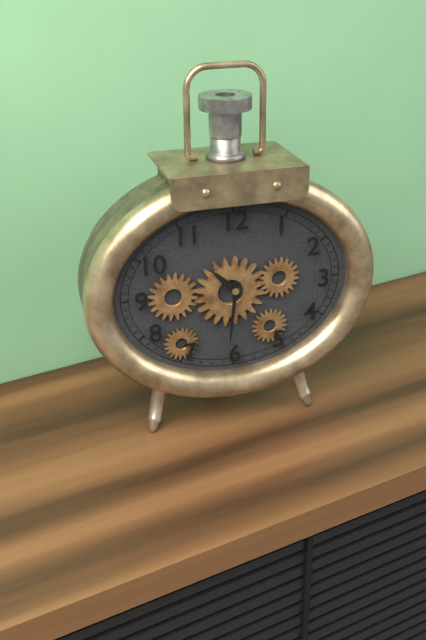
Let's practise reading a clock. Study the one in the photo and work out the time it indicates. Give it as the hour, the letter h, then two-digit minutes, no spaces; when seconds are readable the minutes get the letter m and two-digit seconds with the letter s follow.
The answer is 10h31
